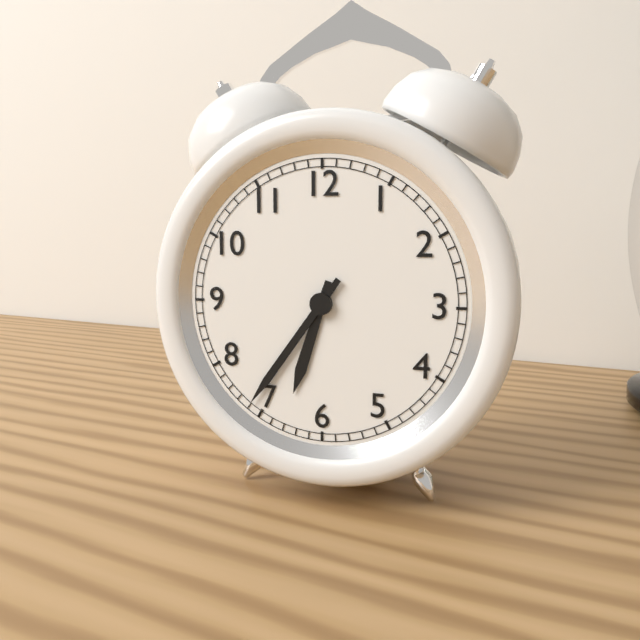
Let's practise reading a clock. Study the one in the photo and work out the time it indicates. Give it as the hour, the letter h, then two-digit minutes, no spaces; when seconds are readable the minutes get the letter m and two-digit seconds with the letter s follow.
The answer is 6h36
